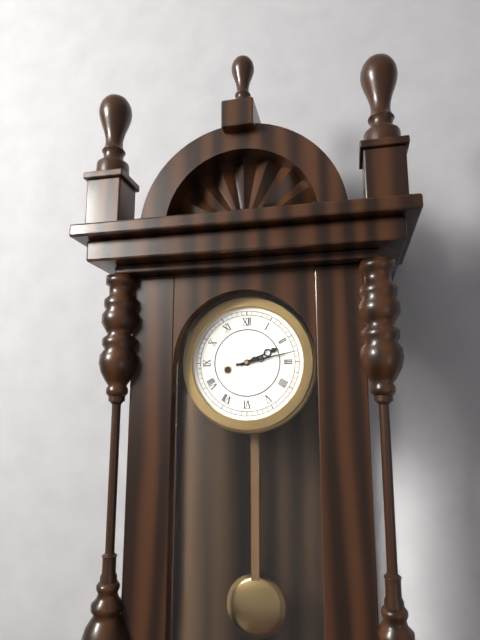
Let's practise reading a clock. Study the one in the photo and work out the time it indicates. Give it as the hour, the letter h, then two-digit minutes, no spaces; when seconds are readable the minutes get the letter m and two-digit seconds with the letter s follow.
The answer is 2h13
